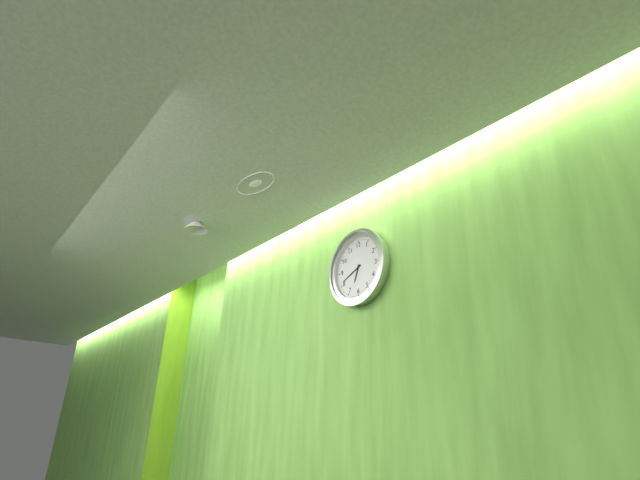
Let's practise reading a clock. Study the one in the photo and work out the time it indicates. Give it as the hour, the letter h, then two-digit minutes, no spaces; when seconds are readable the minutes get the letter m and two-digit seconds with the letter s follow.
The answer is 6h41
